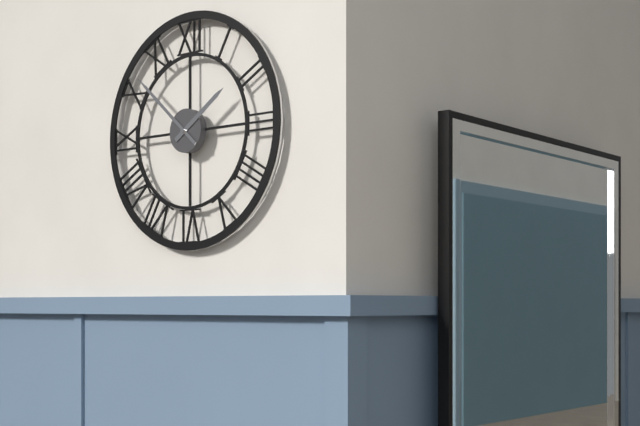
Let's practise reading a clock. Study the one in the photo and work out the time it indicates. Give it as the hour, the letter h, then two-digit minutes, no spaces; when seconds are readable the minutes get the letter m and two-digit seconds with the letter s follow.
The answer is 1h52
